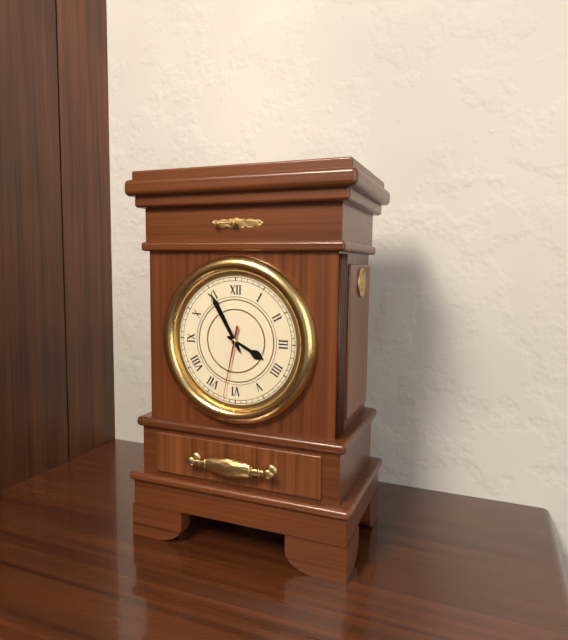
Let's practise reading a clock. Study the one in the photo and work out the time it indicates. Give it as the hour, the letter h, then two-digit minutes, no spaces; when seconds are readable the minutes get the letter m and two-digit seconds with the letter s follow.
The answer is 3h55m32s
